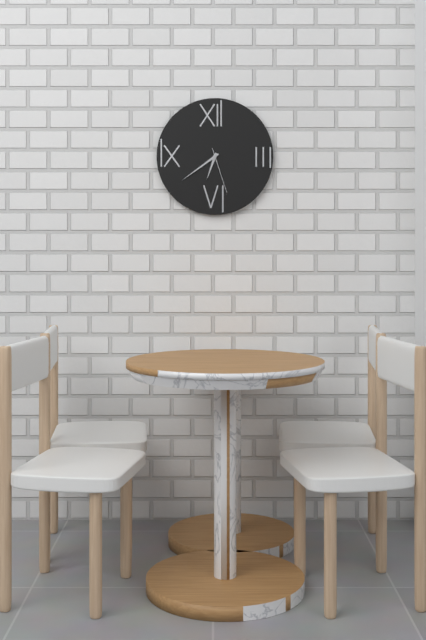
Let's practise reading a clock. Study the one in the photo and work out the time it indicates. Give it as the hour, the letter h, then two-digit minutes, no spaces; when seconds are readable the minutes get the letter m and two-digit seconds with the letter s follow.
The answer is 6h39
